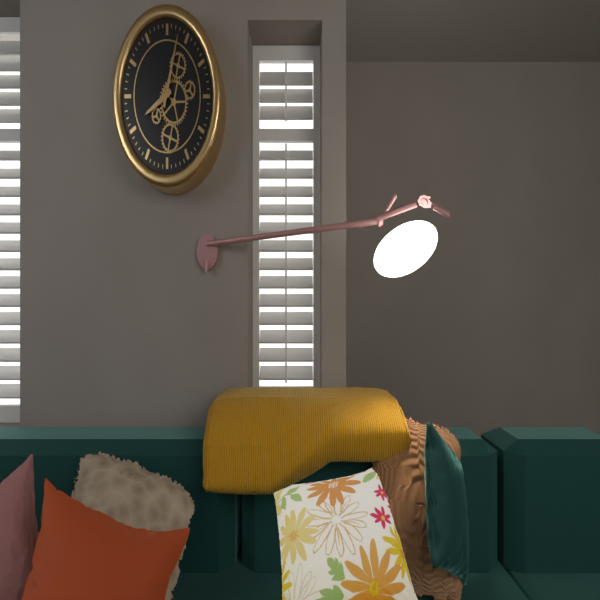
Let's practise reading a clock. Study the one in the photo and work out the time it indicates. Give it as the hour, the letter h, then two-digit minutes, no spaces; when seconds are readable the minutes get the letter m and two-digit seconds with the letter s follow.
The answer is 8h03
